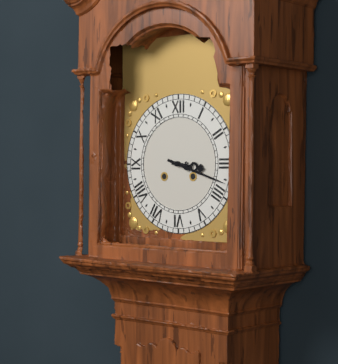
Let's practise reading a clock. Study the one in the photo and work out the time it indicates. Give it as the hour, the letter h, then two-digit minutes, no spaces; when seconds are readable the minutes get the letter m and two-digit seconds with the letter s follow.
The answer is 3h18
